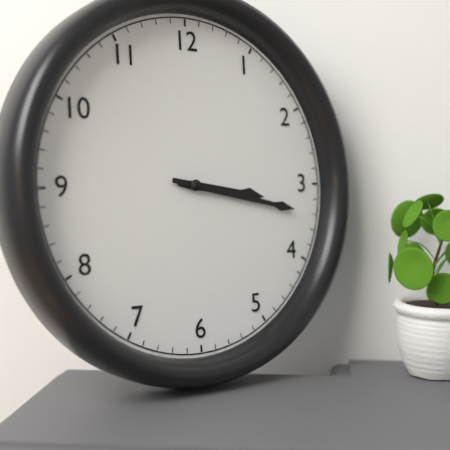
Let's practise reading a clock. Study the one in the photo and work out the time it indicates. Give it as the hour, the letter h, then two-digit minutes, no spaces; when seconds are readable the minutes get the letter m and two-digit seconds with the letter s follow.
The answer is 3h17
